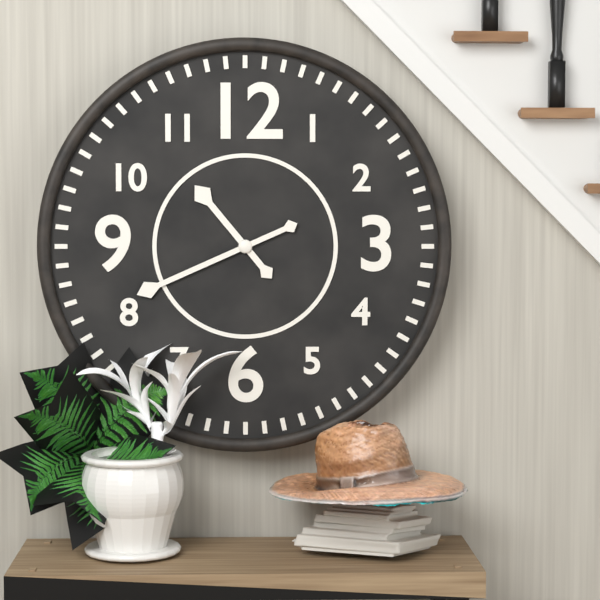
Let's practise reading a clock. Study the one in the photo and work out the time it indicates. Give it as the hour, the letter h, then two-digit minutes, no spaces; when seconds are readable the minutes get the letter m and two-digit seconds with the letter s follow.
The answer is 10h41
